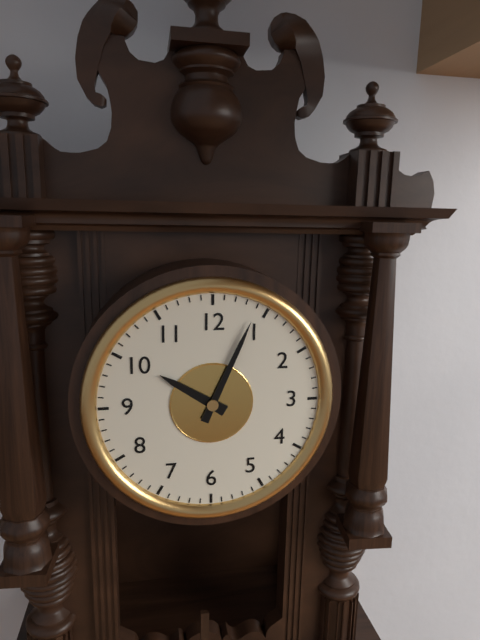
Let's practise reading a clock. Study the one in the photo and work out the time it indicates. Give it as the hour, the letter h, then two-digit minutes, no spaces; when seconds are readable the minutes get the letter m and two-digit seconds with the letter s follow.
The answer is 10h04
